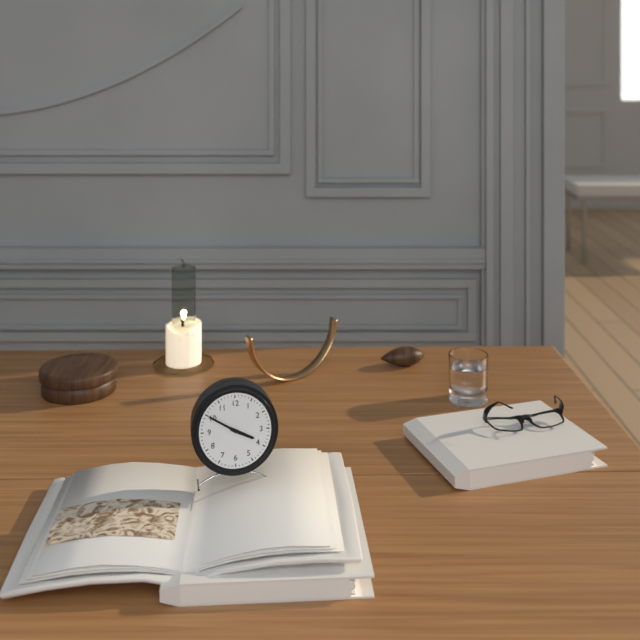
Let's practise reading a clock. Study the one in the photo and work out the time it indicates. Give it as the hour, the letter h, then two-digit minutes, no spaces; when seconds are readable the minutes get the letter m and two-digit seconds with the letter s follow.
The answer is 3h50
